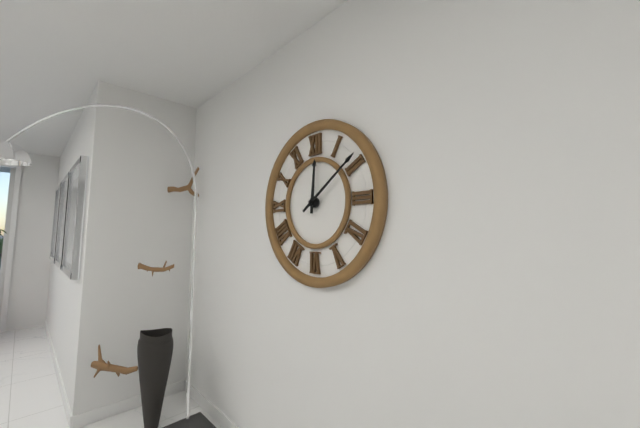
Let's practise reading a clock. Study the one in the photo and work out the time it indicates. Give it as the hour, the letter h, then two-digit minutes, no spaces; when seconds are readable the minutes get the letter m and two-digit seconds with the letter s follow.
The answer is 12h09
